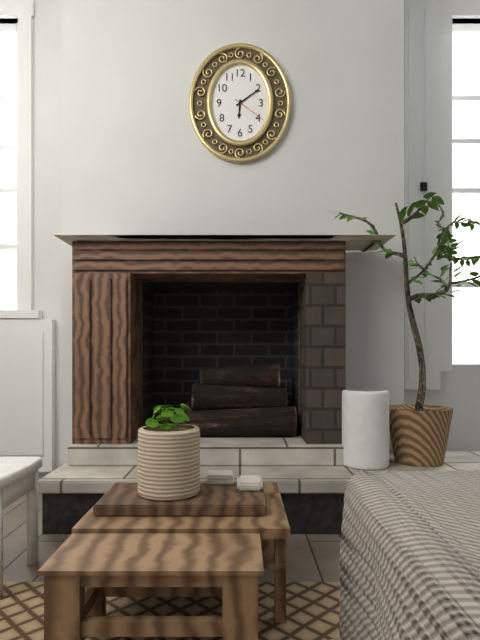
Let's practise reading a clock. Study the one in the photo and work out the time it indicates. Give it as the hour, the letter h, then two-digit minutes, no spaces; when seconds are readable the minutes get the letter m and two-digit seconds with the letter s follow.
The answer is 6h09
